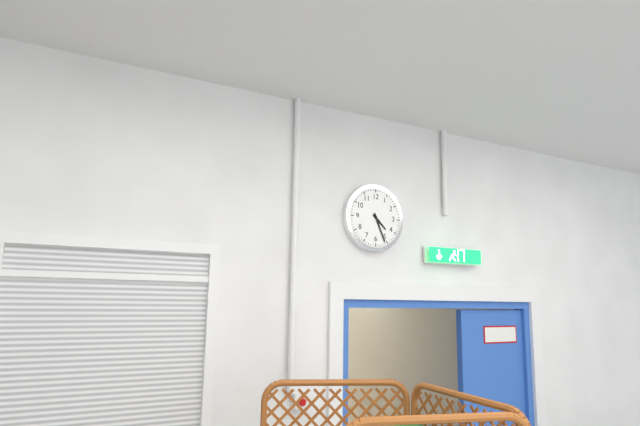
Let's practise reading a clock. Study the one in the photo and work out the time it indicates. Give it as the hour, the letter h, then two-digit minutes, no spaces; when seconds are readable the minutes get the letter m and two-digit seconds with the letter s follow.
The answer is 4h26
